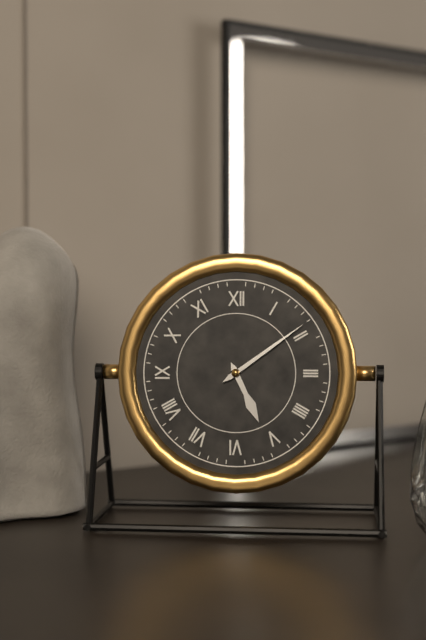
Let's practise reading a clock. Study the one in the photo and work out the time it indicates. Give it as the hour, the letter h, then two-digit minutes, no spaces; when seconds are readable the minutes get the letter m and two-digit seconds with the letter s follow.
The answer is 5h09
